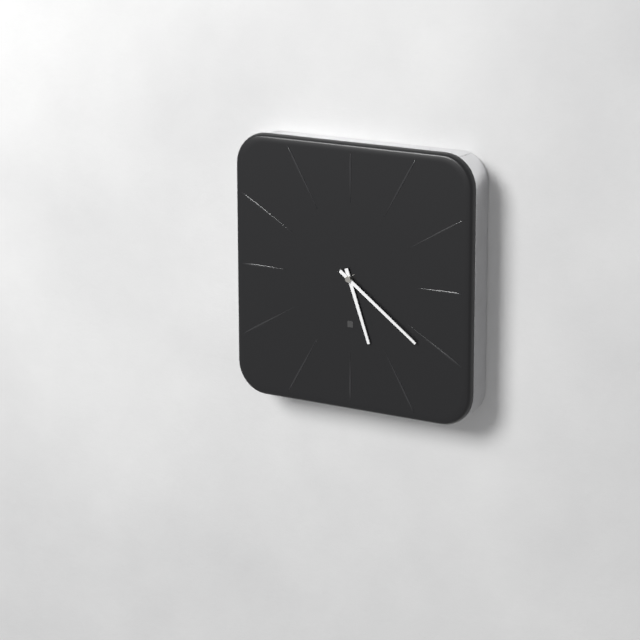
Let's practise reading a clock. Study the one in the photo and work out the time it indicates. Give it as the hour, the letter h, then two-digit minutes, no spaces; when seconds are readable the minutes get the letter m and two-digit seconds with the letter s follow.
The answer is 5h21
